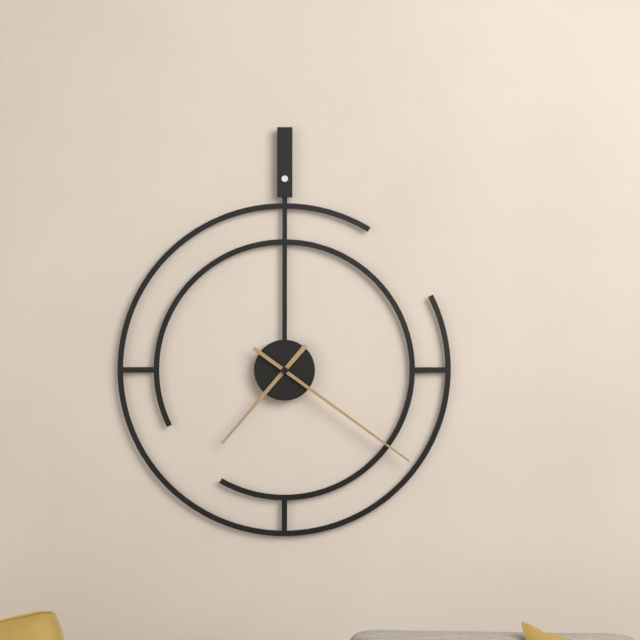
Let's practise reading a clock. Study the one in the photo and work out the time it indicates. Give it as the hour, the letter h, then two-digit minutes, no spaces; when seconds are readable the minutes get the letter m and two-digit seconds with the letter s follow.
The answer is 7h21
